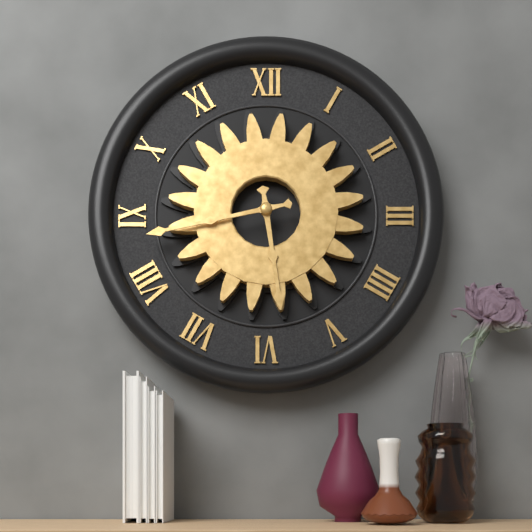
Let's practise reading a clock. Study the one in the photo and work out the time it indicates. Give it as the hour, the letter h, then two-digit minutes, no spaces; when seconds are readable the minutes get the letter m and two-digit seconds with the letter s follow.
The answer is 5h43
